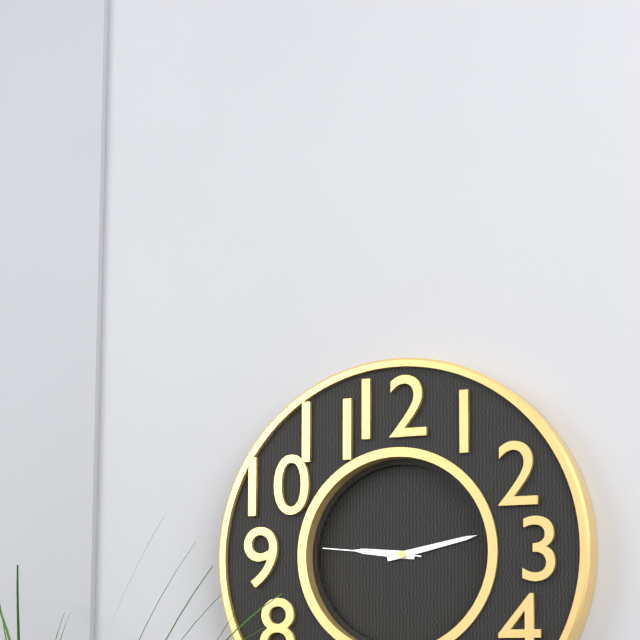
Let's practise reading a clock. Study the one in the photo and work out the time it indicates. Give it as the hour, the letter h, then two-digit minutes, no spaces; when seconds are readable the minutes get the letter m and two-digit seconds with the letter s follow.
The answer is 9h13m46s
